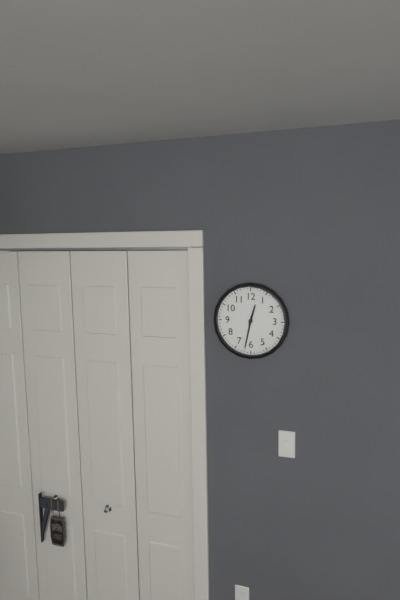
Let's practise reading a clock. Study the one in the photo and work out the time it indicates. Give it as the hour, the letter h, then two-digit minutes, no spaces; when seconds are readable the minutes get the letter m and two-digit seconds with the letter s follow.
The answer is 12h32
